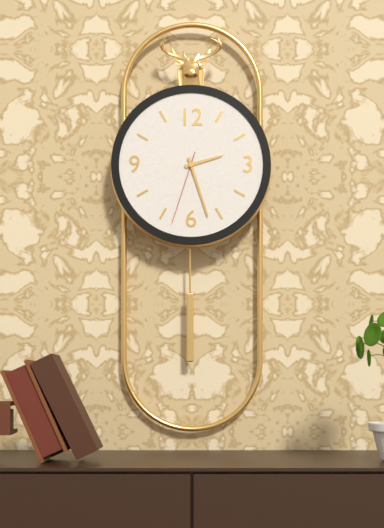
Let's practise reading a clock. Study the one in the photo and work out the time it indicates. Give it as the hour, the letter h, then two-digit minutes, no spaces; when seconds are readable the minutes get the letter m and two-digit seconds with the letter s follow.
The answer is 2h27m33s
